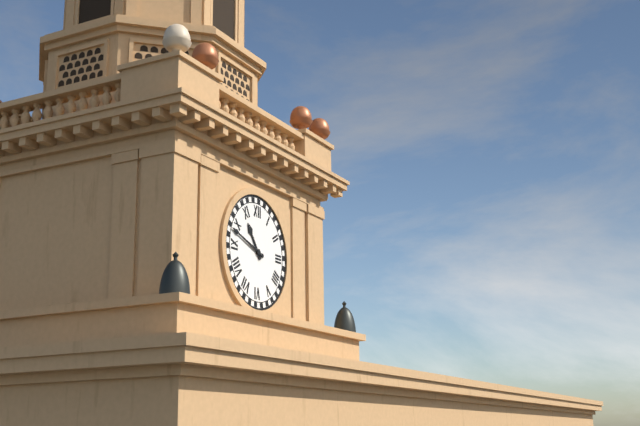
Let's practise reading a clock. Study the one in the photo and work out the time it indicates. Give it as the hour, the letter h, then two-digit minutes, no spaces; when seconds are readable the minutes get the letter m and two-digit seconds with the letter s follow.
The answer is 10h48
